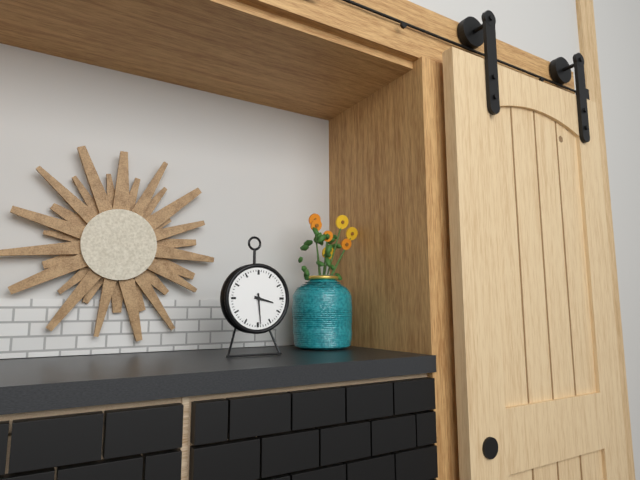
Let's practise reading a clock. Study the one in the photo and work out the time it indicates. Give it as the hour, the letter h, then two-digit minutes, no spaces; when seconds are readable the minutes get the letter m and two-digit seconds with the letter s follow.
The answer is 3h29
